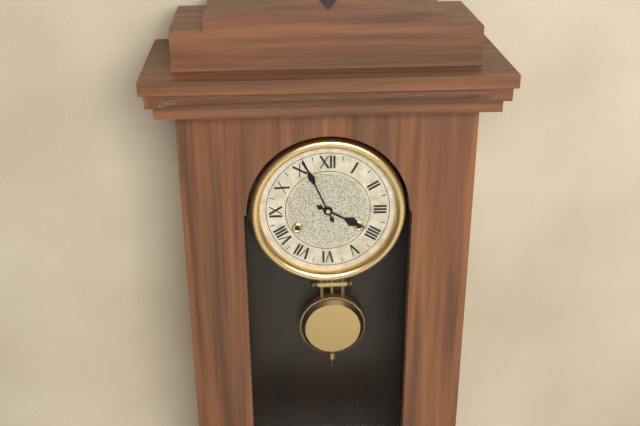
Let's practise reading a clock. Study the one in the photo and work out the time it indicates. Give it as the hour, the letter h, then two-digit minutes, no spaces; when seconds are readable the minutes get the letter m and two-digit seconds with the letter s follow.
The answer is 3h56
